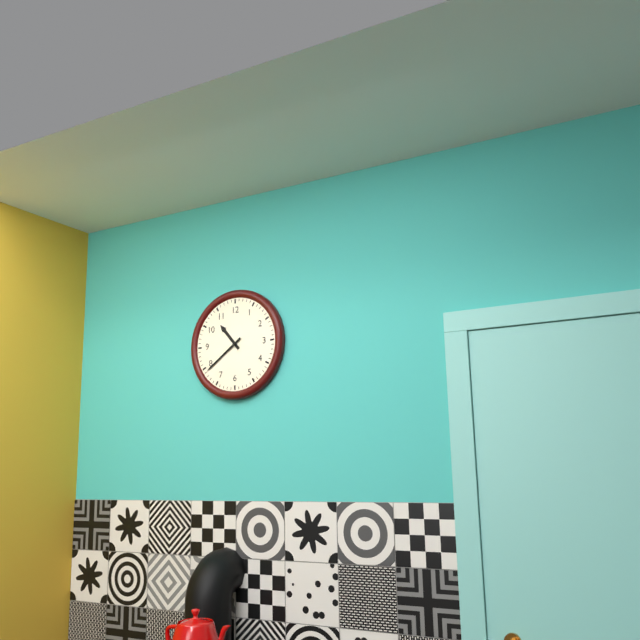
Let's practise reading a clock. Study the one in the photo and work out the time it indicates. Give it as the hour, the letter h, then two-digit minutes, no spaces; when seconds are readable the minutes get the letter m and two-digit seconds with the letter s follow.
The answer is 10h39
